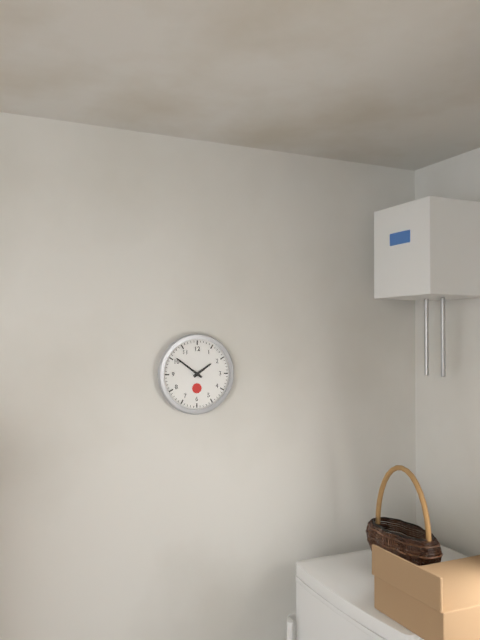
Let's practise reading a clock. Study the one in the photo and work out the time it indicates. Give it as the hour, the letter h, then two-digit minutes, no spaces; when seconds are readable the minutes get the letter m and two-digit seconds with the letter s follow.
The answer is 1h51
